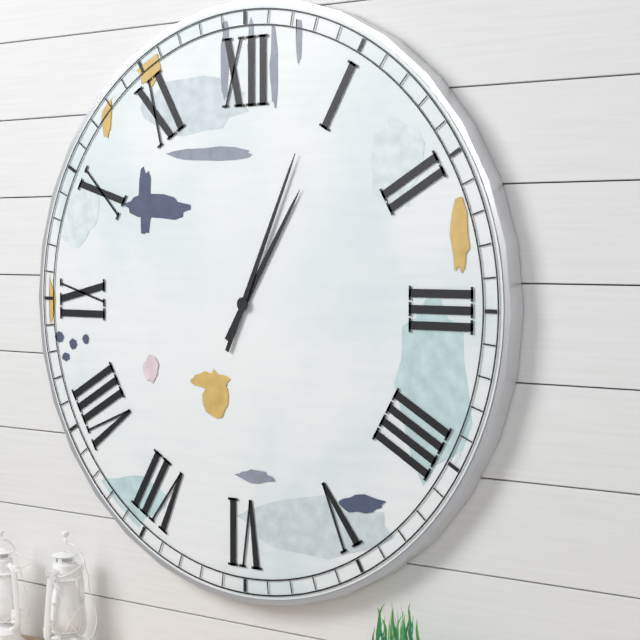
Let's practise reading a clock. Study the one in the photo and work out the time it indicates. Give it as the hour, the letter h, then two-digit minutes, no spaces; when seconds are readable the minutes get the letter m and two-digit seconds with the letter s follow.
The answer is 1h04
